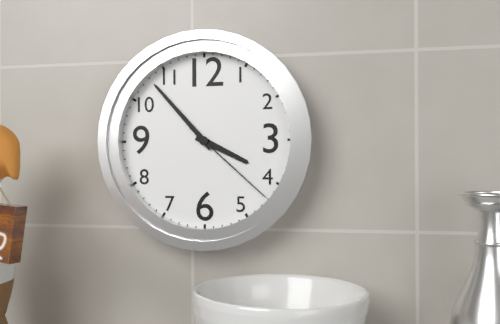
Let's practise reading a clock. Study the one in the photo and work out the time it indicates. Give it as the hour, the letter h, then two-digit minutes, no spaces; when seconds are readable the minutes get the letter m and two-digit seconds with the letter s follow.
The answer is 3h53m22s
